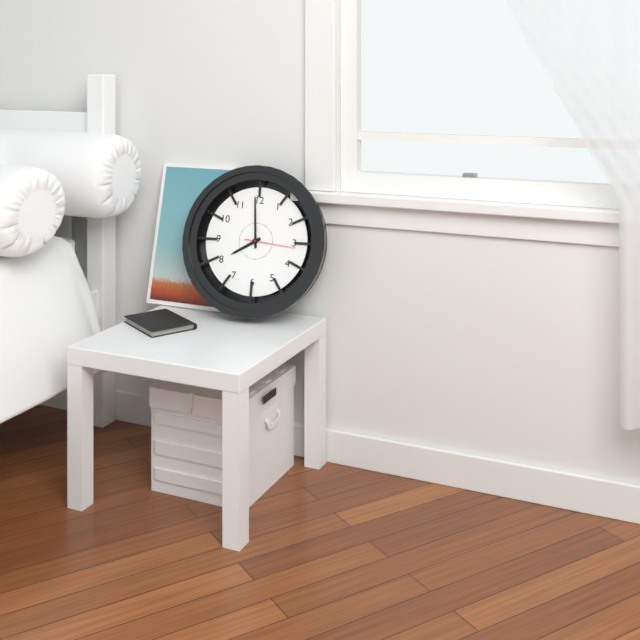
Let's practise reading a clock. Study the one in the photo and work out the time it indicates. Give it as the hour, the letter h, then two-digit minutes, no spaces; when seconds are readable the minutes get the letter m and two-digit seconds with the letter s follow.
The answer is 7h59m16s
